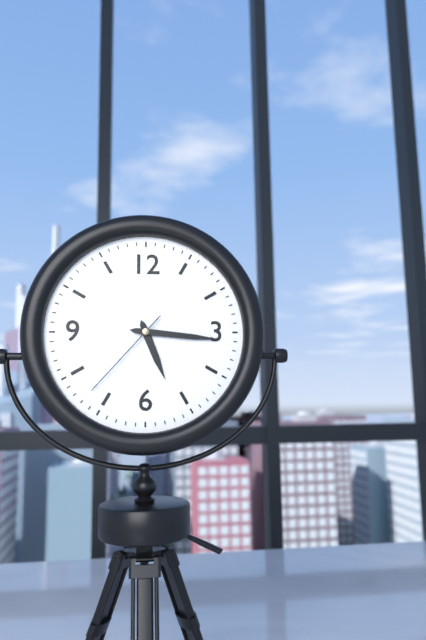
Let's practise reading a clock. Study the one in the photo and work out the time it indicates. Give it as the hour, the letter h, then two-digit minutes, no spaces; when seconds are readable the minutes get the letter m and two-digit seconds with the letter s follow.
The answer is 5h16m37s
